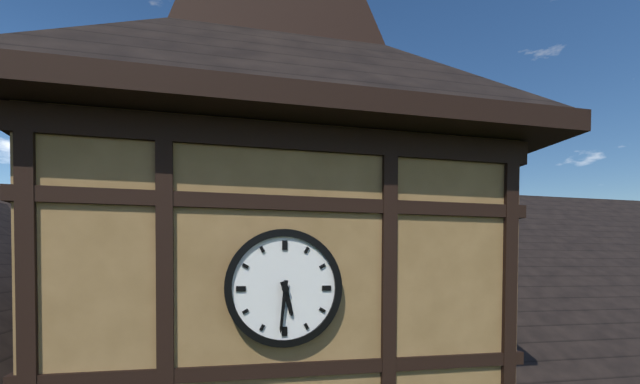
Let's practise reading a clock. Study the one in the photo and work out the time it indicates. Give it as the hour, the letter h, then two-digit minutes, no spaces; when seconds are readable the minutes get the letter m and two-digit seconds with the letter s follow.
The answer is 5h31
